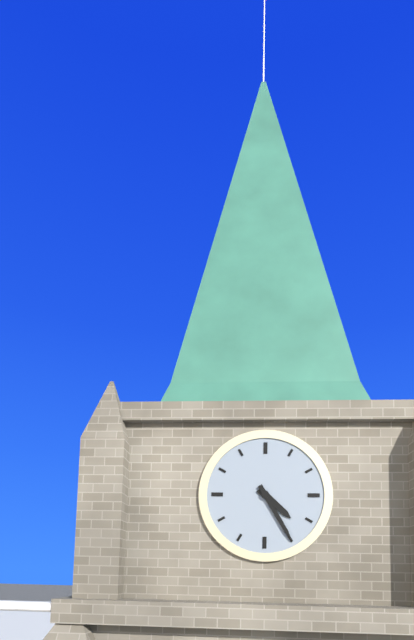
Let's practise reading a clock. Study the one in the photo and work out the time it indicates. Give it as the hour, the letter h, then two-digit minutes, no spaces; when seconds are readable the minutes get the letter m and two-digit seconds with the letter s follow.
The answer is 4h25
